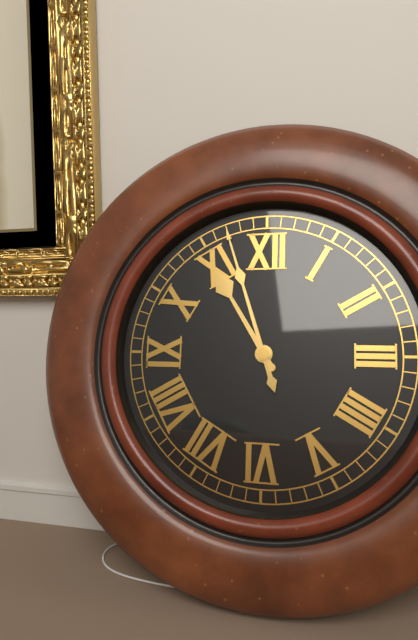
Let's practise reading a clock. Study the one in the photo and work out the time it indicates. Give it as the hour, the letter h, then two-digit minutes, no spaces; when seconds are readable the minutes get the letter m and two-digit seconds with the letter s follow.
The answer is 10h57
